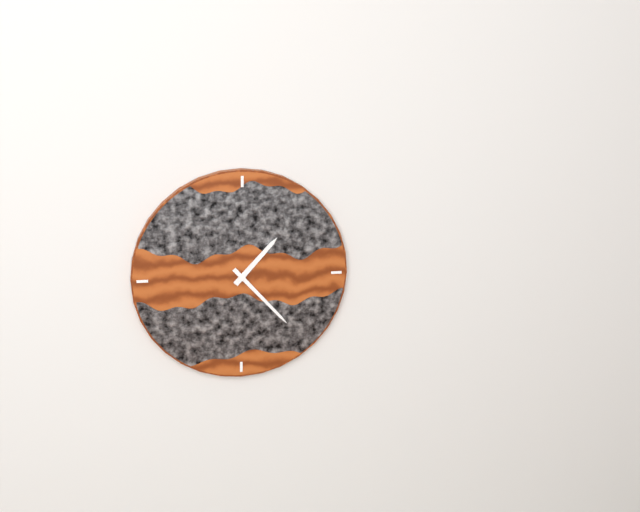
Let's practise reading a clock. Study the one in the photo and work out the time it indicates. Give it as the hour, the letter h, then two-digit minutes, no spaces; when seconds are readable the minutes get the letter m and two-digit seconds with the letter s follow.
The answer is 1h23
